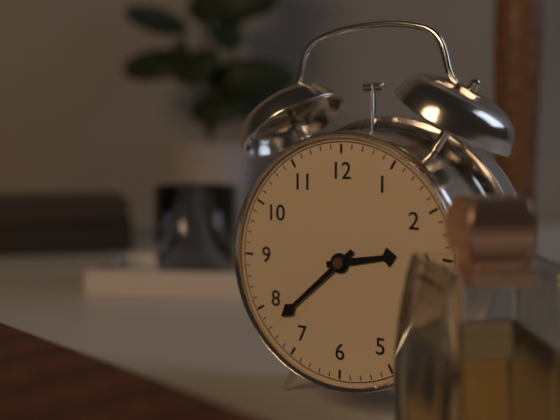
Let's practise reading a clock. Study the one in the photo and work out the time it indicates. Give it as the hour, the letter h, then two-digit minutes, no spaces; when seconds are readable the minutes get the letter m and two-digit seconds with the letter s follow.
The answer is 2h38
